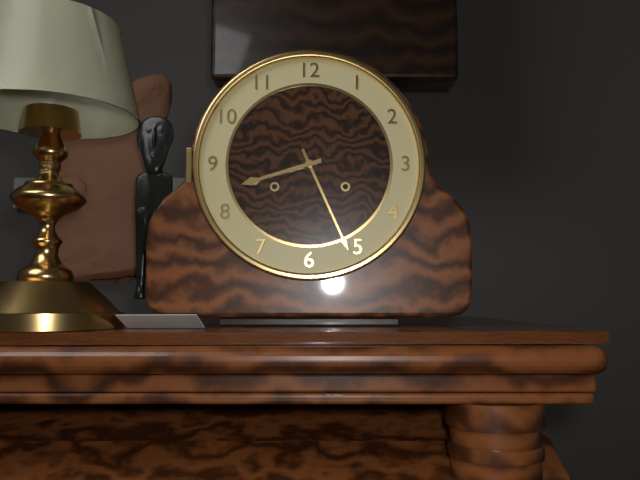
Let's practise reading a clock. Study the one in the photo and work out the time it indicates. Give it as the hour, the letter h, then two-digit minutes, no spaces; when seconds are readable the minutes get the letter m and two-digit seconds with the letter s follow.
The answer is 8h26
